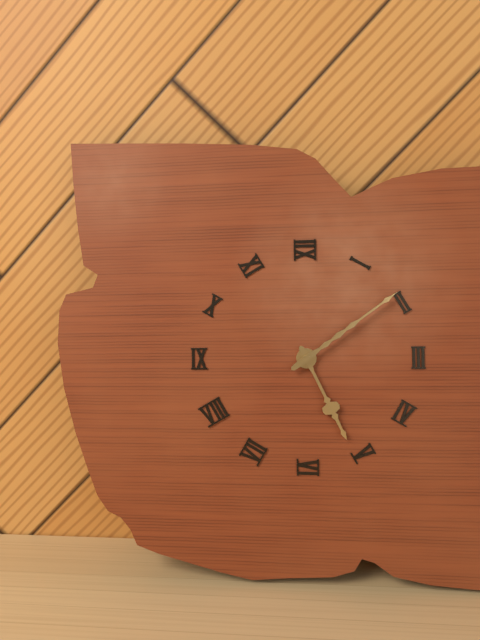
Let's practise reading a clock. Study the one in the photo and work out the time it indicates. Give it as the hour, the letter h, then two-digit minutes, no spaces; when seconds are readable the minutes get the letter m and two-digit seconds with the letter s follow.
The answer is 5h09
